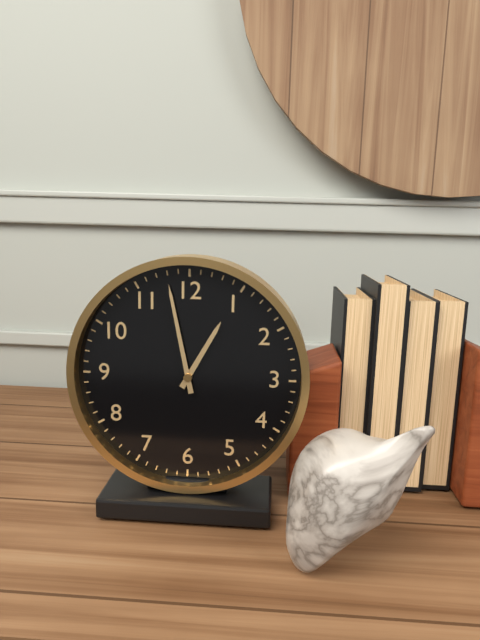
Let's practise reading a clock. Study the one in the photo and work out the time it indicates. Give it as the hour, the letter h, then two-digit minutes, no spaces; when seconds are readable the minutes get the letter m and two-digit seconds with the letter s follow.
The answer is 12h58
